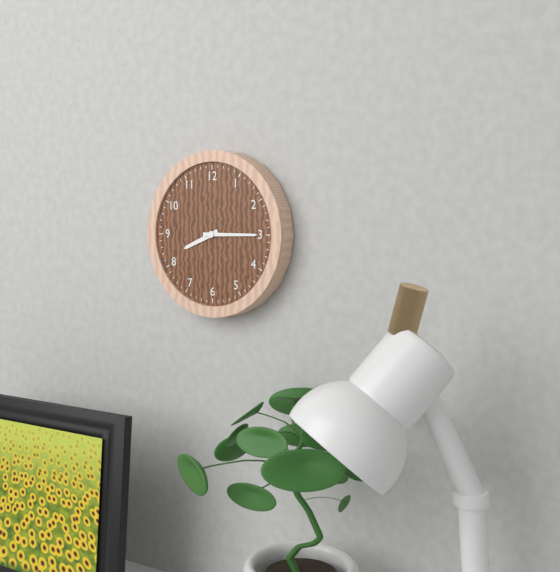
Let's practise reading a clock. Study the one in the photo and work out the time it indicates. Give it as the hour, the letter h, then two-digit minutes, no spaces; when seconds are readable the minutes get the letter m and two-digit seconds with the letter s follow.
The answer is 8h15
